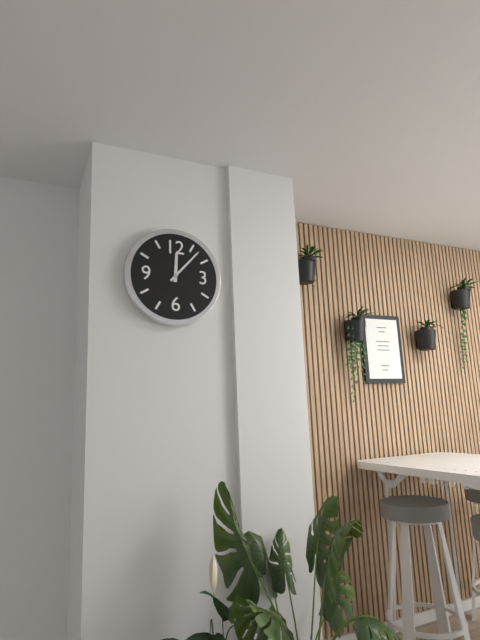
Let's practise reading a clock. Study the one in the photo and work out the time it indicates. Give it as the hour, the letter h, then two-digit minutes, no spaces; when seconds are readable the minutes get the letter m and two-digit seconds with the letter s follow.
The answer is 12h07
